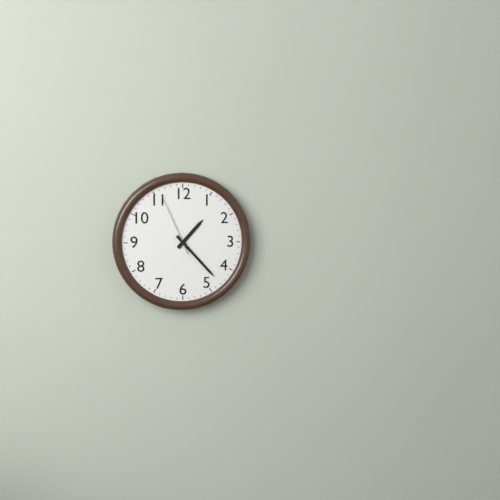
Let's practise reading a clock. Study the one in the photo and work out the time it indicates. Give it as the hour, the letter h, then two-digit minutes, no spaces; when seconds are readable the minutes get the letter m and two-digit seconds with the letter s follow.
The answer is 1h23m56s
